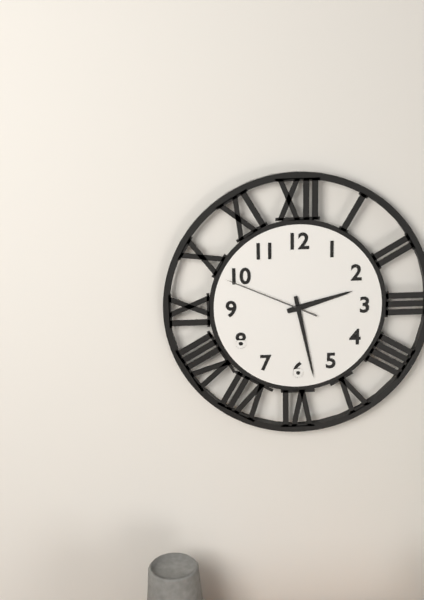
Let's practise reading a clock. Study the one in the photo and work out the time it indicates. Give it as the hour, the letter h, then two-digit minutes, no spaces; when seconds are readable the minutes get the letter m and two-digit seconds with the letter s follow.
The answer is 2h28m49s
